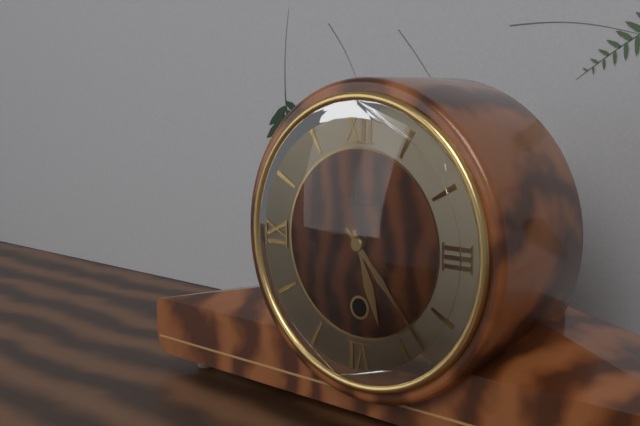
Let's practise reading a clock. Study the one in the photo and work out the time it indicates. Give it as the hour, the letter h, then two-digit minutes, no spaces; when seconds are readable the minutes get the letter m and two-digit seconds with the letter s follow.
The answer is 5h23
